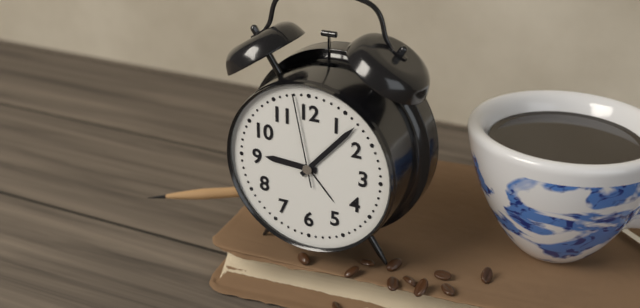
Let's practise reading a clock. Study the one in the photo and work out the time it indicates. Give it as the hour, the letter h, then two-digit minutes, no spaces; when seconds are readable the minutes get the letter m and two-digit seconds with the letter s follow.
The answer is 9h07m58s
